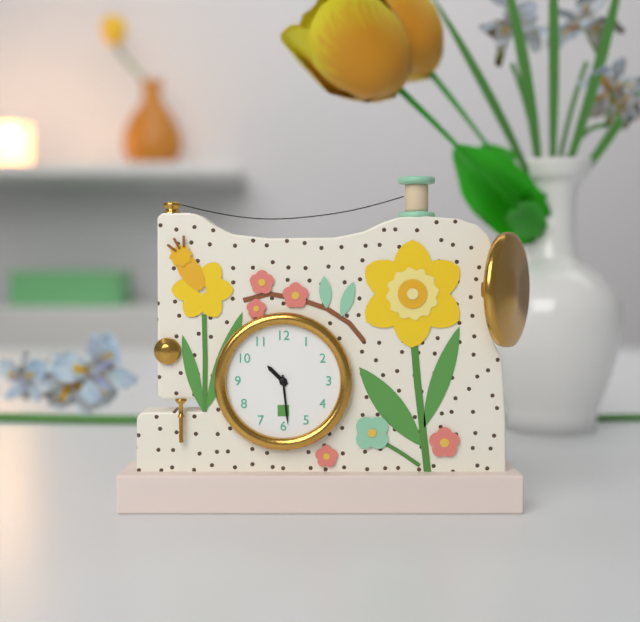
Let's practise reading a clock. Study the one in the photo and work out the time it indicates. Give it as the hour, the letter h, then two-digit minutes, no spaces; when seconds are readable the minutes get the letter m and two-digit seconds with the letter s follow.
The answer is 10h29
